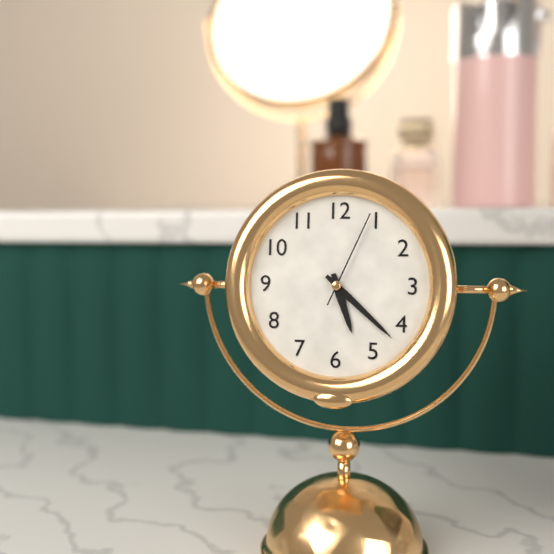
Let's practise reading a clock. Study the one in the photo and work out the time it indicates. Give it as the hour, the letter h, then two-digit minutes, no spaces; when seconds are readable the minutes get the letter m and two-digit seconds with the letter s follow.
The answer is 5h22m04s
